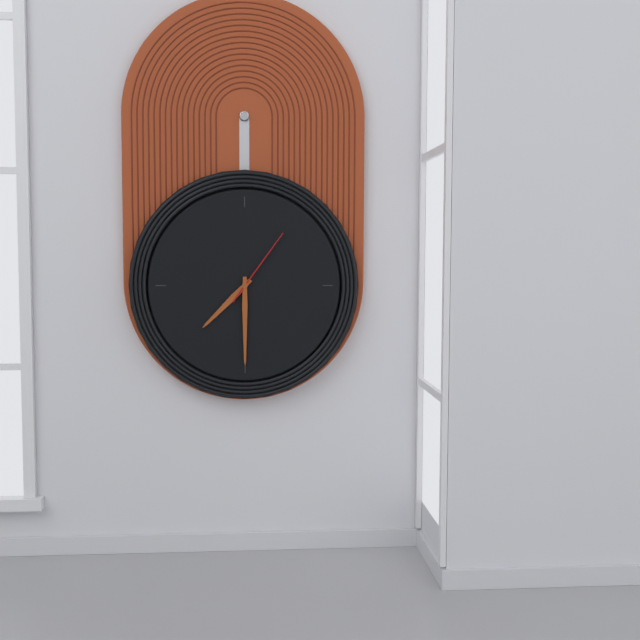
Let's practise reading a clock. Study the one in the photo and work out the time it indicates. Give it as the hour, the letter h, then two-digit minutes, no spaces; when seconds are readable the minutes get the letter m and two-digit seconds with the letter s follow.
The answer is 7h30m06s
